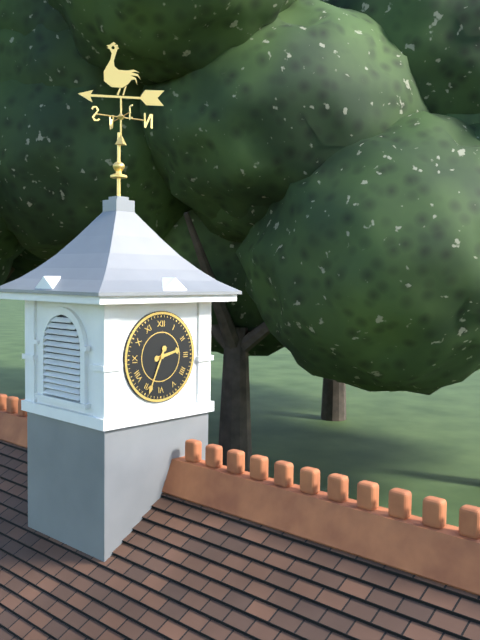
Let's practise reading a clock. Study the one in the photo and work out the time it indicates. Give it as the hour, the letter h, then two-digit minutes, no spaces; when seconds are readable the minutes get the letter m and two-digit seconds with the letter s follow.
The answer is 2h34
